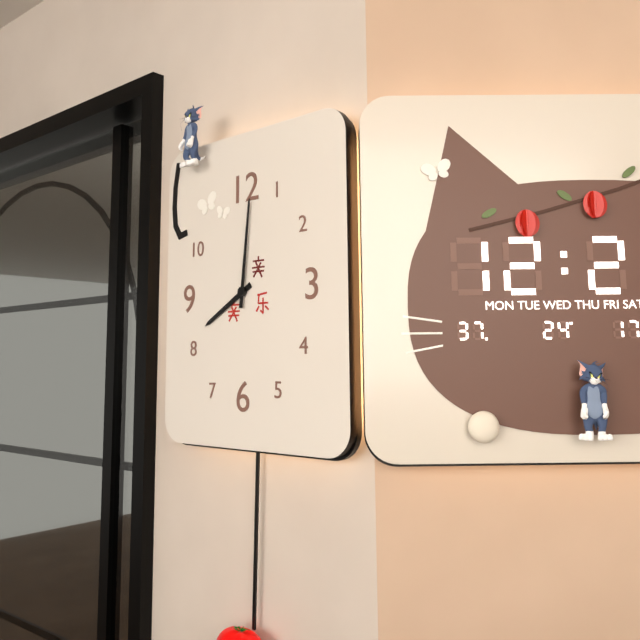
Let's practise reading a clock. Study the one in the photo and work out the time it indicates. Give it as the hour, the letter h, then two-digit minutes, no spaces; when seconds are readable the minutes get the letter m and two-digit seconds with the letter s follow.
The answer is 8h01
